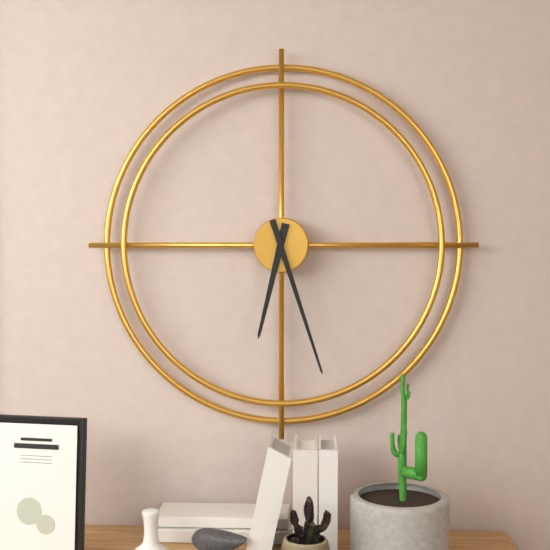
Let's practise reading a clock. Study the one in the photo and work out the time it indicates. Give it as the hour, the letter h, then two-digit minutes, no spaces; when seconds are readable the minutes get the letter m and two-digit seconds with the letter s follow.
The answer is 6h27
